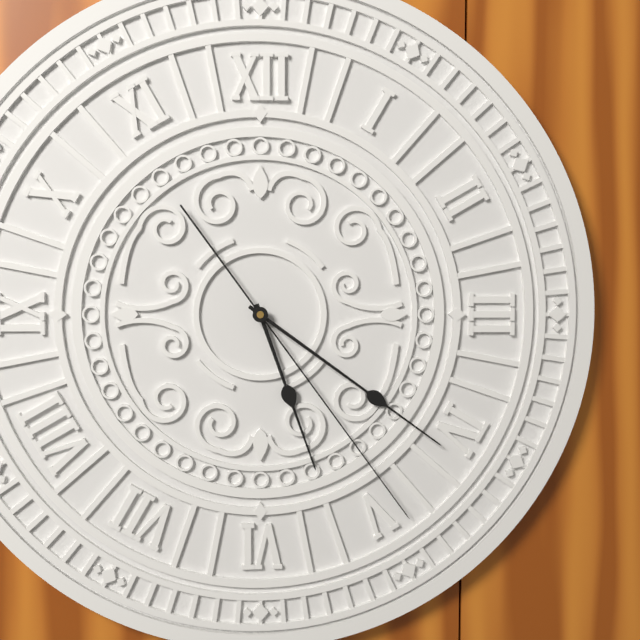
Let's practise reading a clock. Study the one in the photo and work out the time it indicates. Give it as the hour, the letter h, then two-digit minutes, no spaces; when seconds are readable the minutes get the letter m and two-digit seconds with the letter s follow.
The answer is 5h21m24s
